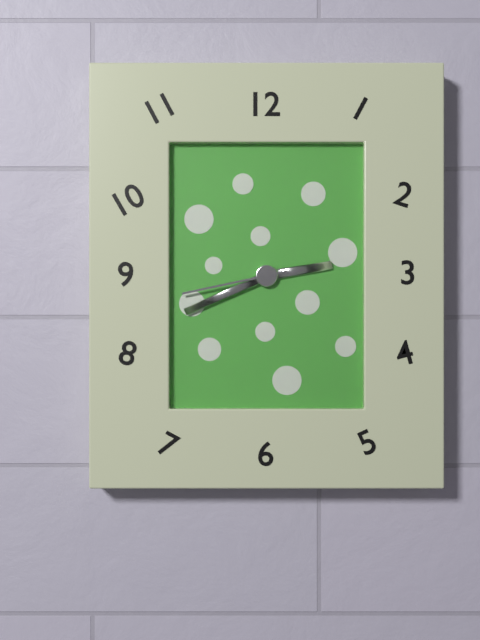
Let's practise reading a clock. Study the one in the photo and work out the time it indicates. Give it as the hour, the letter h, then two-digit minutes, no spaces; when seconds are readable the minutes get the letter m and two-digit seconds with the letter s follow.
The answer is 2h41m43s
